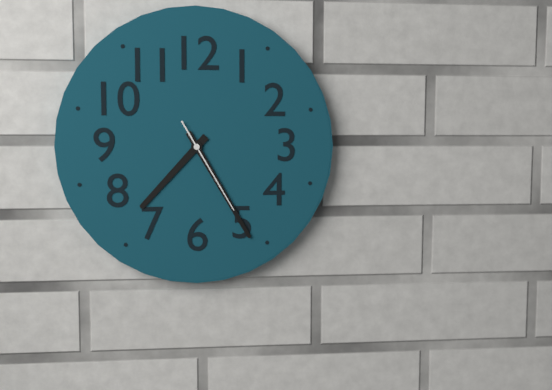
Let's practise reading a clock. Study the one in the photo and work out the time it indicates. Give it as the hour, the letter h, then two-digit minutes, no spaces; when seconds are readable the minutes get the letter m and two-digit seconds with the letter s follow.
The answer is 7h25m25s
